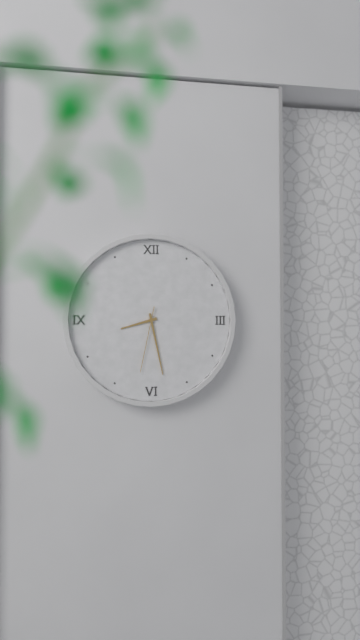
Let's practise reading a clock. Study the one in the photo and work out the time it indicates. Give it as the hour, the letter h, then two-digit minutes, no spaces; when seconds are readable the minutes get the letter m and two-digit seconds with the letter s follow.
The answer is 8h28m32s
